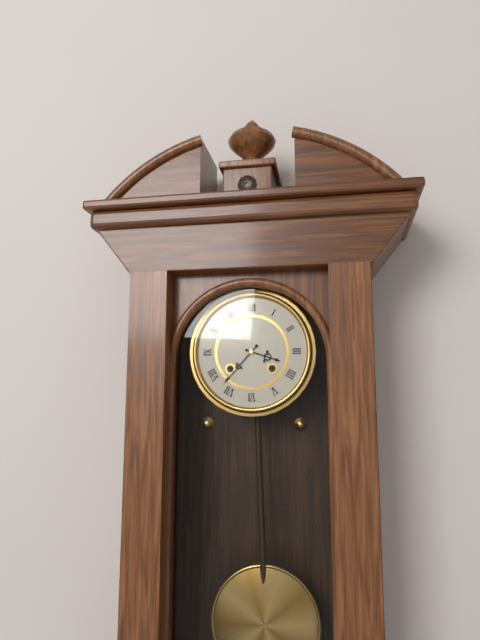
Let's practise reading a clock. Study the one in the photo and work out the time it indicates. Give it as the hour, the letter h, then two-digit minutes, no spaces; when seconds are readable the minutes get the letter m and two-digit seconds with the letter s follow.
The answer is 3h37
